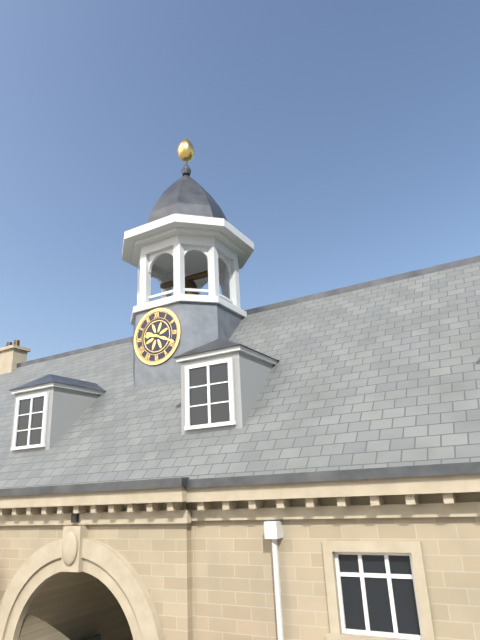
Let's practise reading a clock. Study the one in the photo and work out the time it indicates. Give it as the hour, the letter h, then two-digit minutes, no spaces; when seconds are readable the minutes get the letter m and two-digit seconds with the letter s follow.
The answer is 9h19
